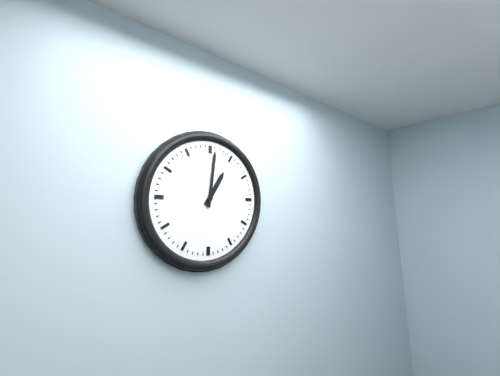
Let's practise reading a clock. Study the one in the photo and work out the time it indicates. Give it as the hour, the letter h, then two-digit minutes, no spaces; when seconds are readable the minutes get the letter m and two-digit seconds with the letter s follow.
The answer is 1h01
